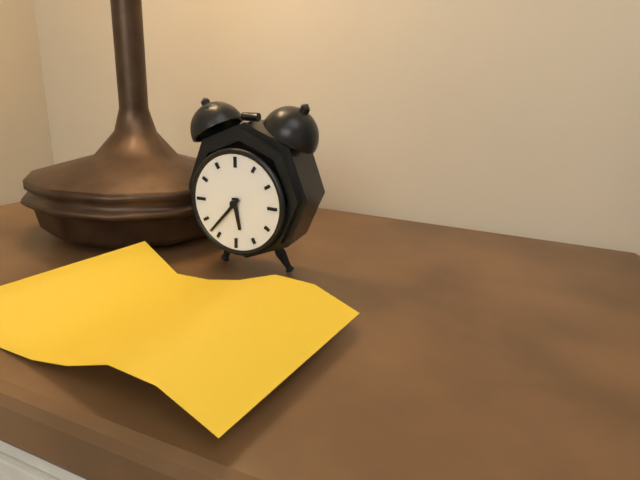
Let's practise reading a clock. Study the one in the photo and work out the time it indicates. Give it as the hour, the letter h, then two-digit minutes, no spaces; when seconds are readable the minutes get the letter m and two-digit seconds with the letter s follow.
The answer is 5h37
